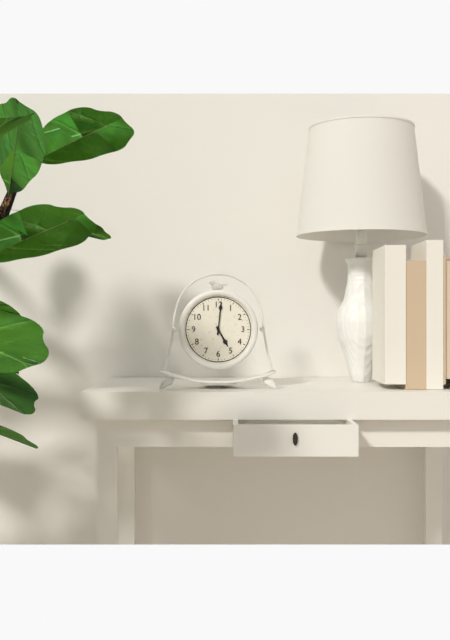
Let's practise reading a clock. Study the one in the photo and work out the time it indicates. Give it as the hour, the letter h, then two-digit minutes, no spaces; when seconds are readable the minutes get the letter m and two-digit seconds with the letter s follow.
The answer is 5h01
